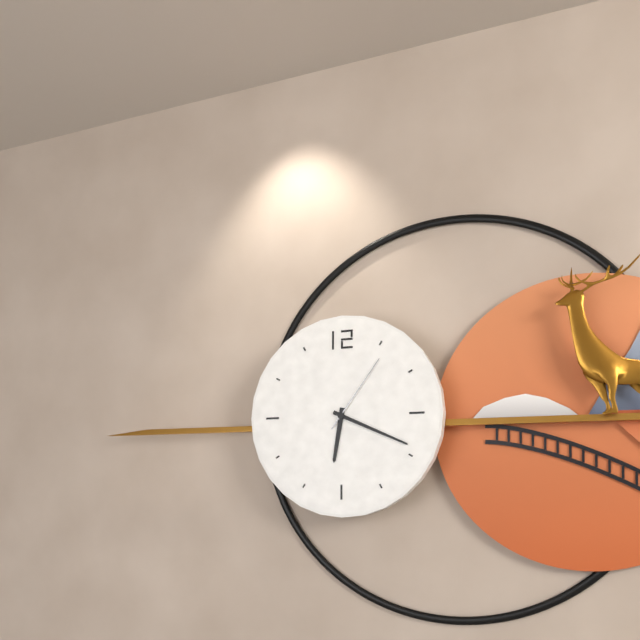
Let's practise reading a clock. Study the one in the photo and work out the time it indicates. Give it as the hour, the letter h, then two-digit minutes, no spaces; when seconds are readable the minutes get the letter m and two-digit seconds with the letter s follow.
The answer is 6h19m06s
